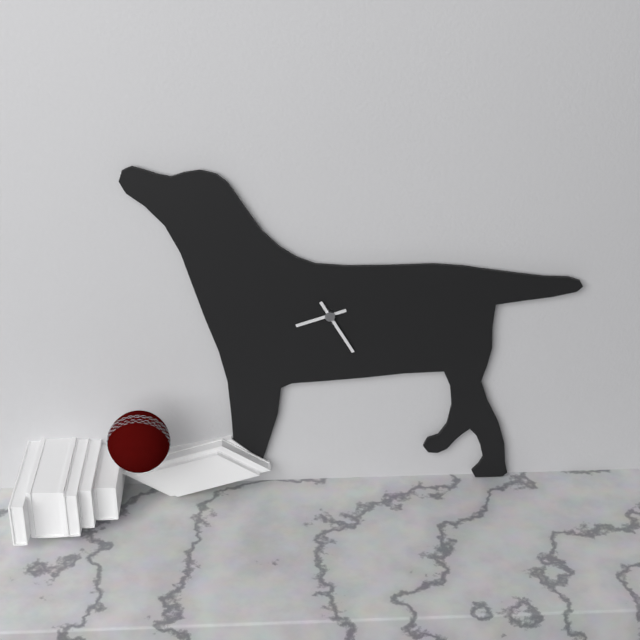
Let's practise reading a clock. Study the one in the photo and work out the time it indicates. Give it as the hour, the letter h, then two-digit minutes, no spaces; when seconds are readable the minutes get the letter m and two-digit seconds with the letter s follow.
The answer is 8h25
